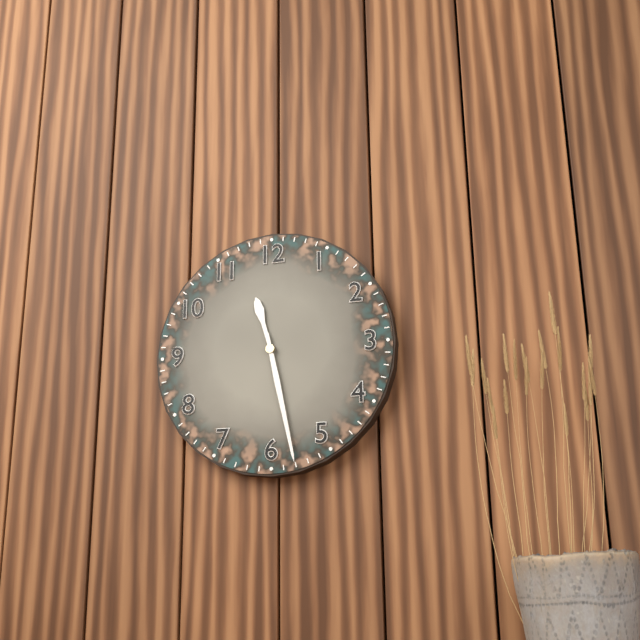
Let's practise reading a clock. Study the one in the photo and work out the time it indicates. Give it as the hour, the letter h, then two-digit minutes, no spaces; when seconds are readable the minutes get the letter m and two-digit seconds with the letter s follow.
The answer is 11h28
